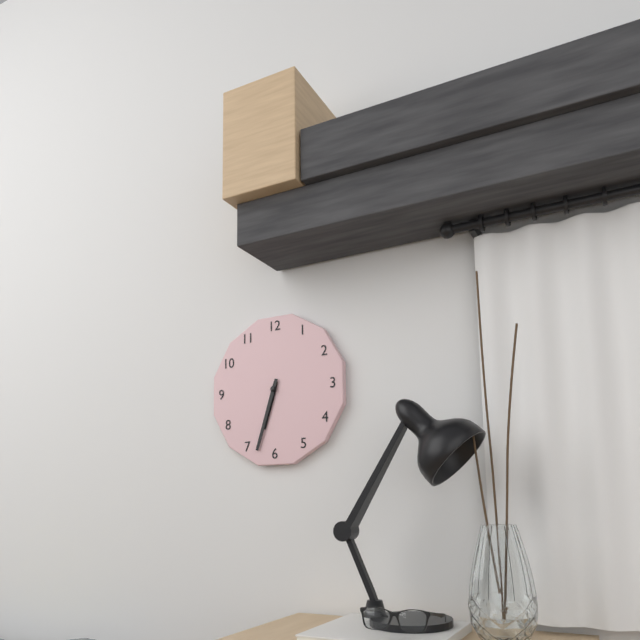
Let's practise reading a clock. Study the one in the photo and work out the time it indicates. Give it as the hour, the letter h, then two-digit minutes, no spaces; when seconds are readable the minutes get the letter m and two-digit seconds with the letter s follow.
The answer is 6h33
